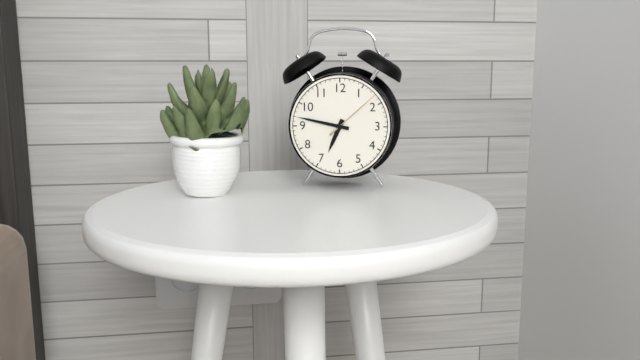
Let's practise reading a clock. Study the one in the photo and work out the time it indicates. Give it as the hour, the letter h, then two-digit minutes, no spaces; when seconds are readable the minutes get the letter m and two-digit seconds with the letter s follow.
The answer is 6h47m08s
